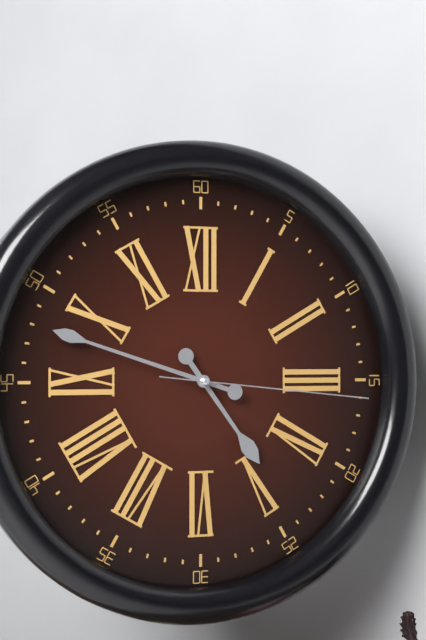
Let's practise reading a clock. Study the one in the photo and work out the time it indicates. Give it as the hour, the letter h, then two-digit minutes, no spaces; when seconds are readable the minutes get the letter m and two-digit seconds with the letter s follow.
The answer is 4h48m16s
